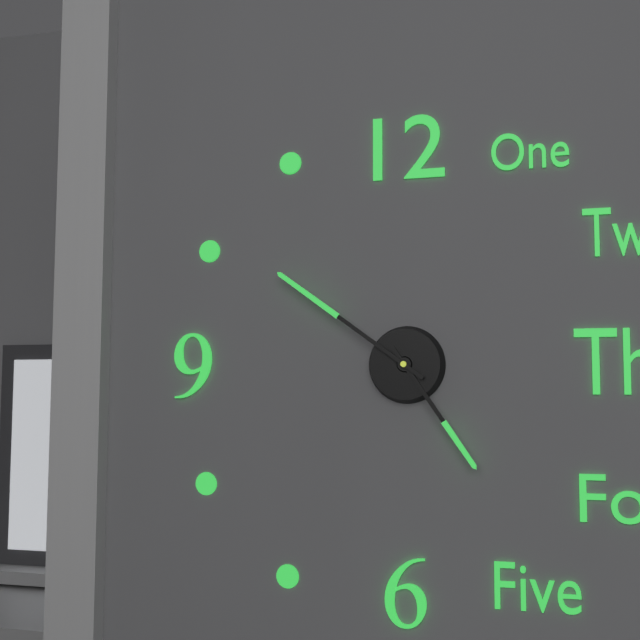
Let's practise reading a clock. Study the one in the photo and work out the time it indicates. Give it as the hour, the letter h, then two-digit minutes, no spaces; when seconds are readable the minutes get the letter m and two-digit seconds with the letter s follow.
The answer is 4h51
